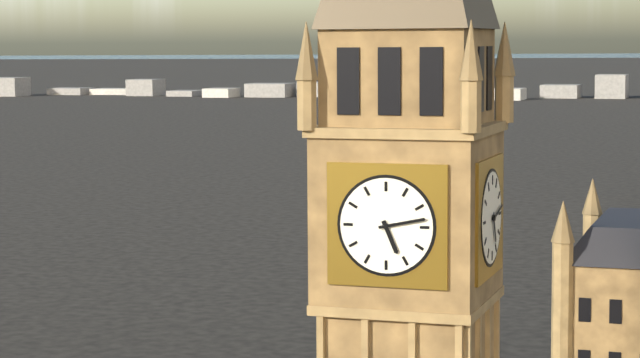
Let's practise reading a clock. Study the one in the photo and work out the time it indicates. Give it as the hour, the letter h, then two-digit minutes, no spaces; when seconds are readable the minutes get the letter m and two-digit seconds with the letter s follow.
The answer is 5h13
